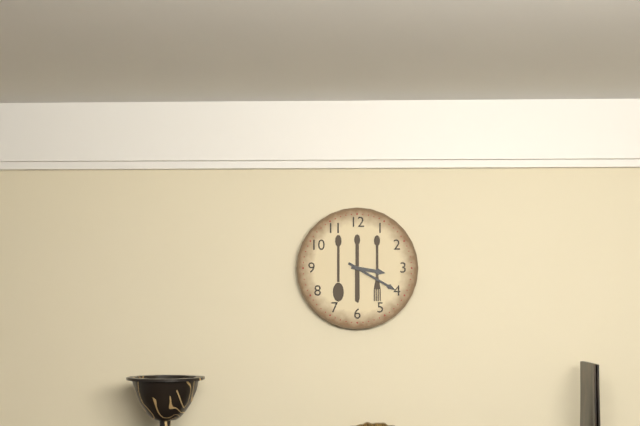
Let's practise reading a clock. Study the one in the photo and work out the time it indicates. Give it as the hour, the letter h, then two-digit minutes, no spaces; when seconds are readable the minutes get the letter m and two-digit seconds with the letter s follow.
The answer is 3h20
